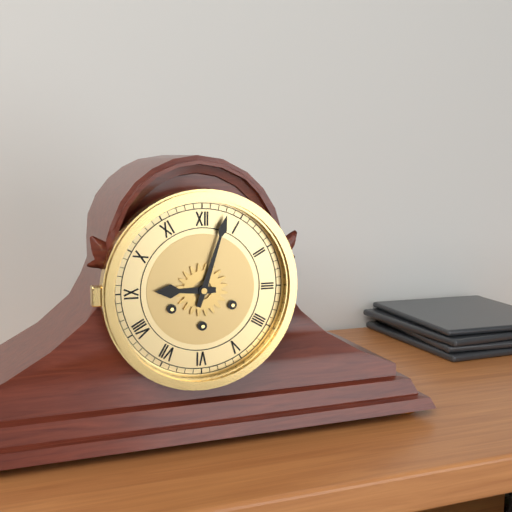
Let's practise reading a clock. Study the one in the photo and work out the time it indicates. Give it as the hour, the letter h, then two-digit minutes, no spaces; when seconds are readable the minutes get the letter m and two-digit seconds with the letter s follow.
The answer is 9h03
